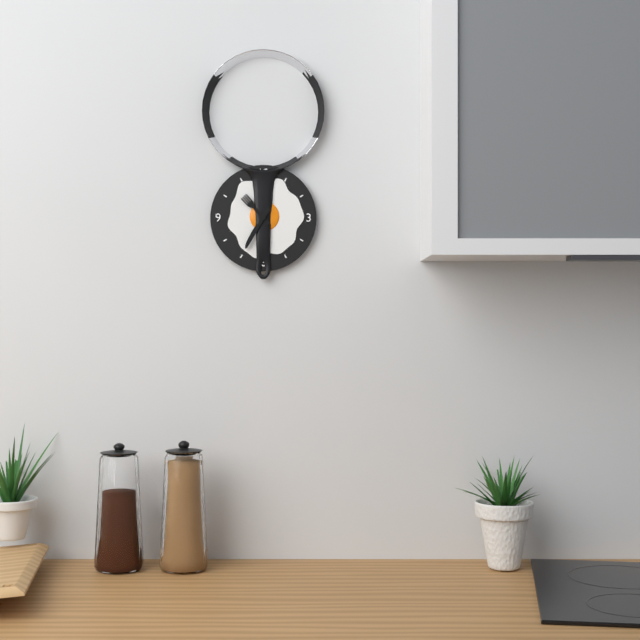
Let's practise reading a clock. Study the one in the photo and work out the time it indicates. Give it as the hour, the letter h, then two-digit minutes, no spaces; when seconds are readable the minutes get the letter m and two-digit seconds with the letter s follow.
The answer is 10h35
